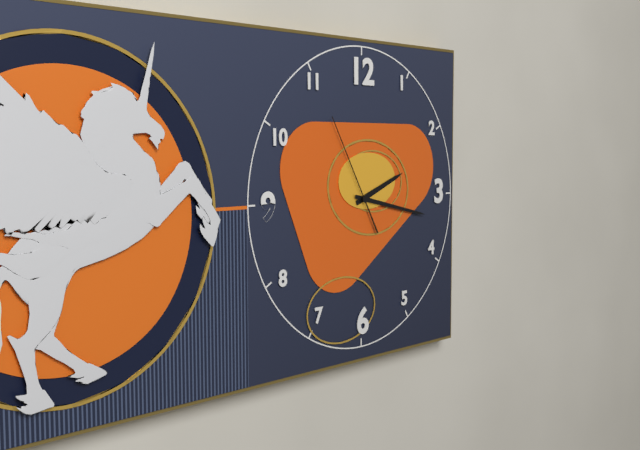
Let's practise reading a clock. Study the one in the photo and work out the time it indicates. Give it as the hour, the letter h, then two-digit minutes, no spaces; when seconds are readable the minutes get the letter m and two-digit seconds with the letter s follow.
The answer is 2h17m55s
